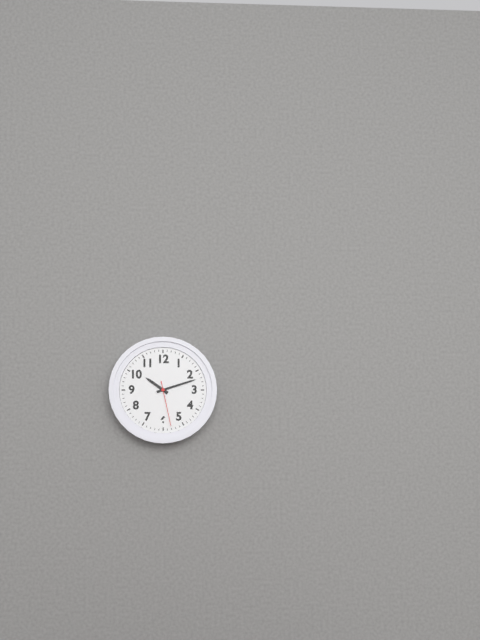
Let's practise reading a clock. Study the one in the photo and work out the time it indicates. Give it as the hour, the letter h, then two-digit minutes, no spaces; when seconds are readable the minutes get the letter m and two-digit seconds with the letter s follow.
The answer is 10h12
